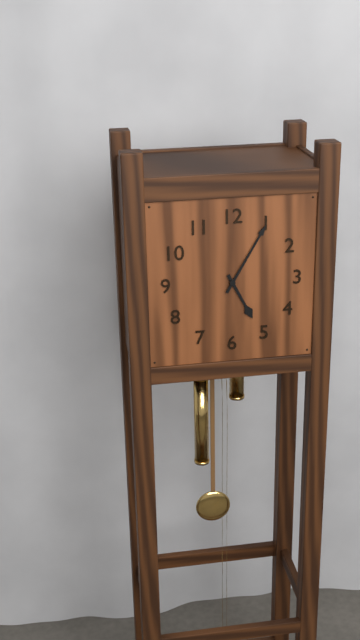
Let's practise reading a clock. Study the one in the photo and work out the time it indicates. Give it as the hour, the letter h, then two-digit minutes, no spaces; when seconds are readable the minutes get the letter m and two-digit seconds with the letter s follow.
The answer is 5h05
